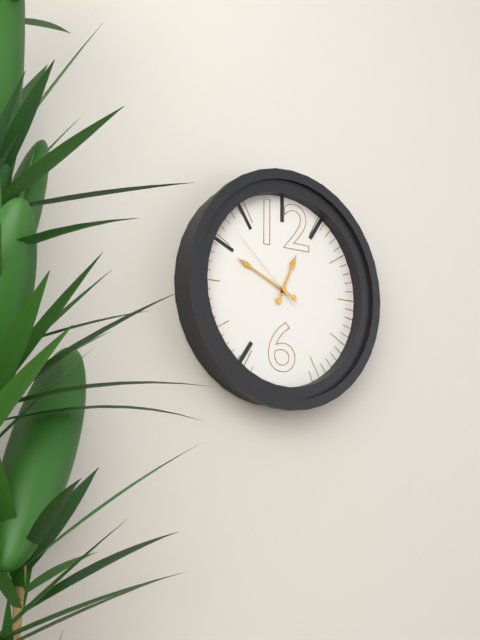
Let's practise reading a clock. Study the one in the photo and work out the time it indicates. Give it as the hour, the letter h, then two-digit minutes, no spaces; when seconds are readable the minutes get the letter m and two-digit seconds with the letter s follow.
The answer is 12h49m52s
